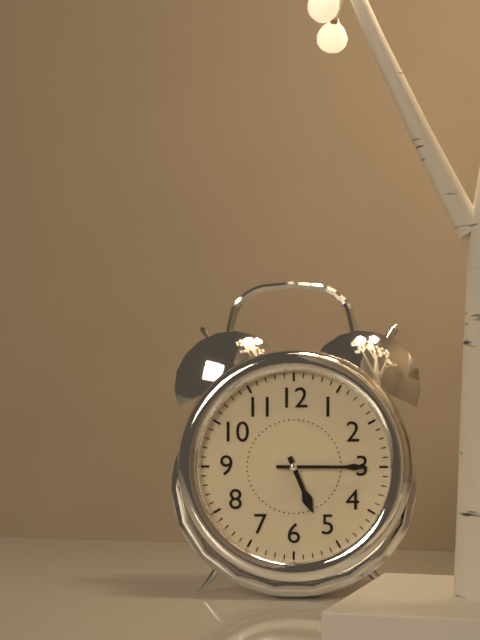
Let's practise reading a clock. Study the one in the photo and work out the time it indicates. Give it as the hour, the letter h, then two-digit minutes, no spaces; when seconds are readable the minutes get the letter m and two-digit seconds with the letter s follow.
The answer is 5h15
